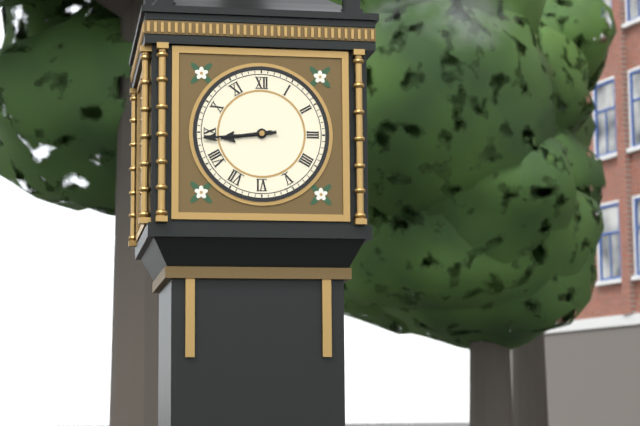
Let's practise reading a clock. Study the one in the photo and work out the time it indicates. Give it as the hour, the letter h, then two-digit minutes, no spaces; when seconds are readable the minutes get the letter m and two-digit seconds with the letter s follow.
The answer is 8h44
